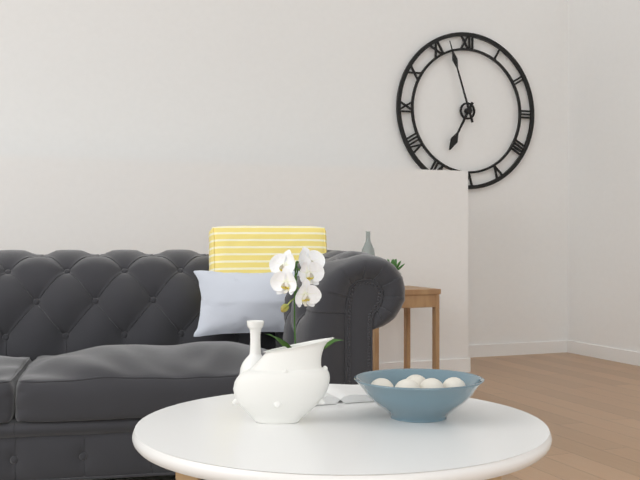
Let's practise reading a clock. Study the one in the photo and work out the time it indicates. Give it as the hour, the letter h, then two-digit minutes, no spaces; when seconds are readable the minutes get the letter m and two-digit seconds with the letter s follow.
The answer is 6h57
